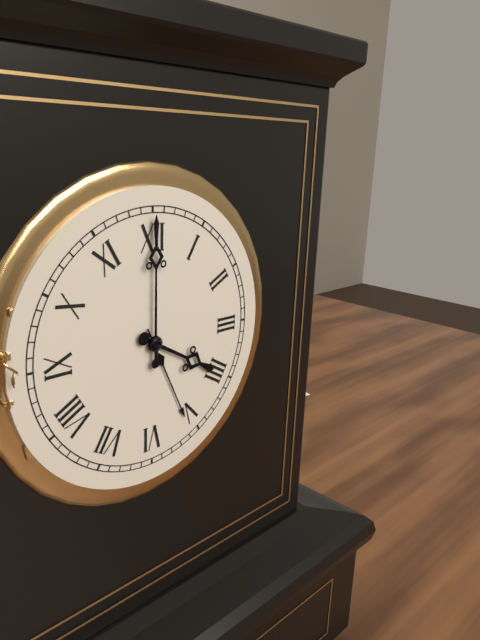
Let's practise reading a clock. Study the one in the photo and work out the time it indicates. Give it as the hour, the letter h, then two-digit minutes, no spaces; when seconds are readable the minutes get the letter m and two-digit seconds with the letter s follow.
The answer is 4h00
